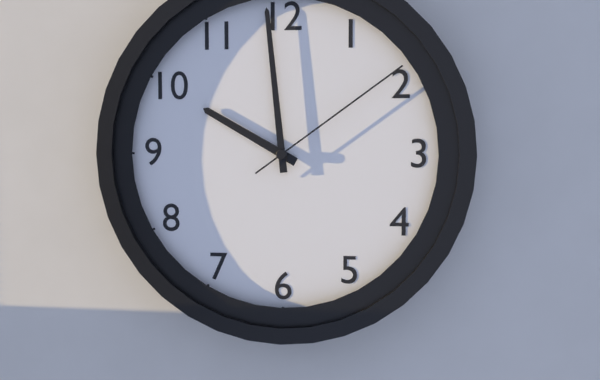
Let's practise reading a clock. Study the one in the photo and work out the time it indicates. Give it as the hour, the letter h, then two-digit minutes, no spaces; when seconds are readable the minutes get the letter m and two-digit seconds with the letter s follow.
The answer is 9h59m09s
